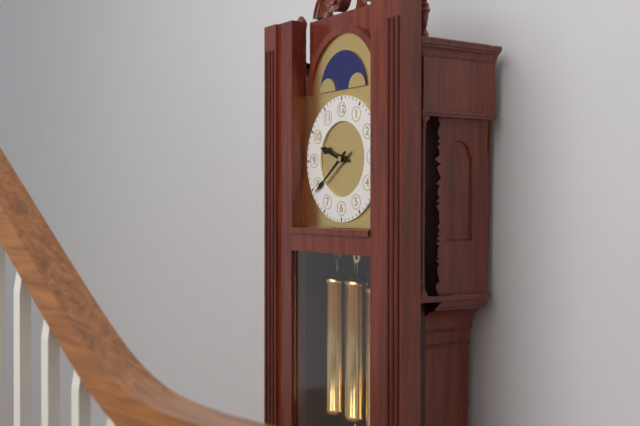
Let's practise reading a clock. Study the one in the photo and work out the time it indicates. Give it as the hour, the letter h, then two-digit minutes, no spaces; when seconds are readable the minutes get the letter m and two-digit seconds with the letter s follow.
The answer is 9h39
